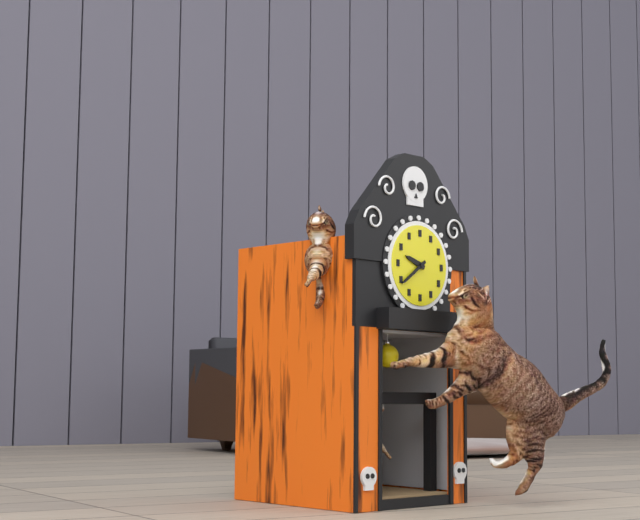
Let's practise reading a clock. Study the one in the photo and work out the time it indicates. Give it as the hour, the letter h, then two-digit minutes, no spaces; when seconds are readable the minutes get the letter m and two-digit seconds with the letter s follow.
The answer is 9h39
